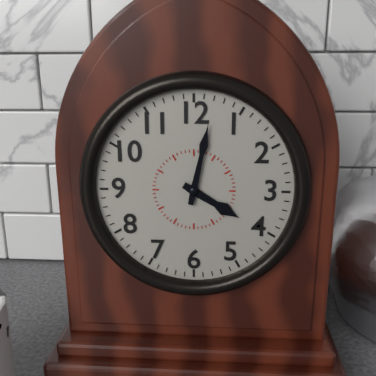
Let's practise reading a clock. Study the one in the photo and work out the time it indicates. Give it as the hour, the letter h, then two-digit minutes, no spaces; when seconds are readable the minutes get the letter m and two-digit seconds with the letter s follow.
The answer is 4h02
